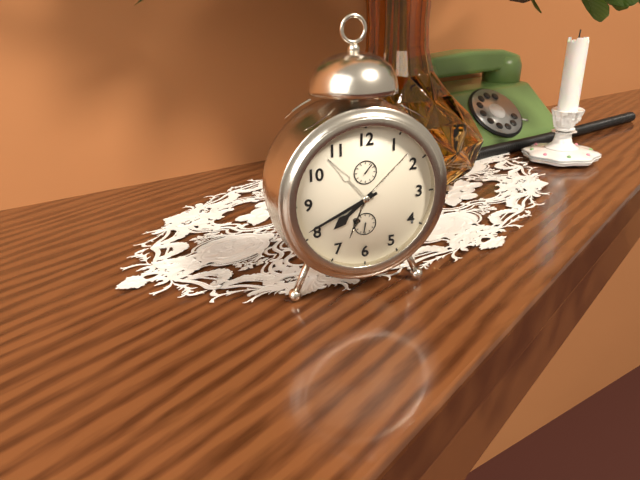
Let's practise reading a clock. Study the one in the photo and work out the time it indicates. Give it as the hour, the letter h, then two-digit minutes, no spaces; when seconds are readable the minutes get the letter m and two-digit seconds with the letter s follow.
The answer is 7h41
